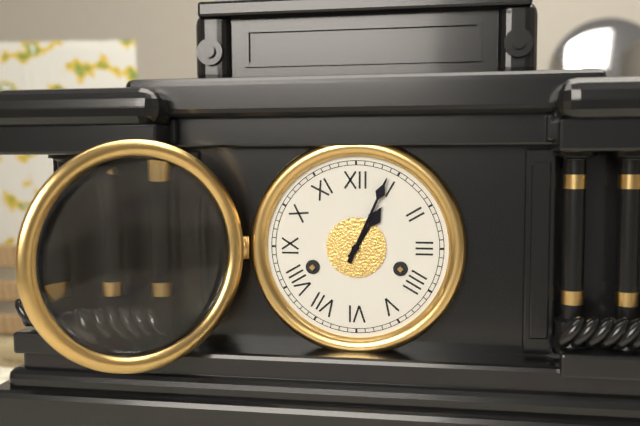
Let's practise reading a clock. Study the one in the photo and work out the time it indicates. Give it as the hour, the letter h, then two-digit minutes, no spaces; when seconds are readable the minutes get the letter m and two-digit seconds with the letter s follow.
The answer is 1h04
